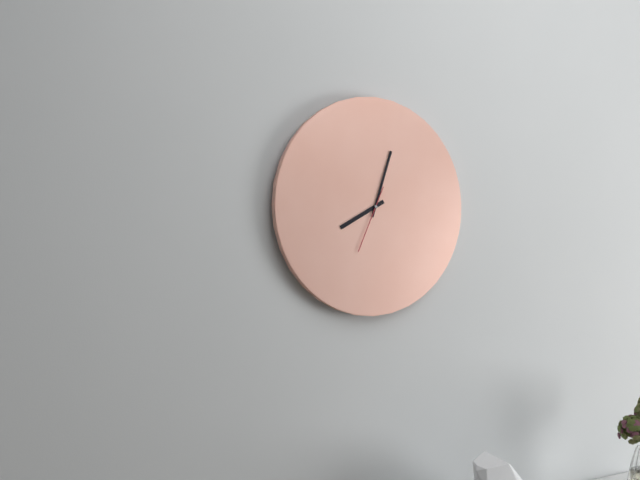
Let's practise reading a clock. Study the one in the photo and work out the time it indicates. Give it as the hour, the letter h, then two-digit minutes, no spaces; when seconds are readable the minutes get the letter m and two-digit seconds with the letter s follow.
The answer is 8h03m34s
